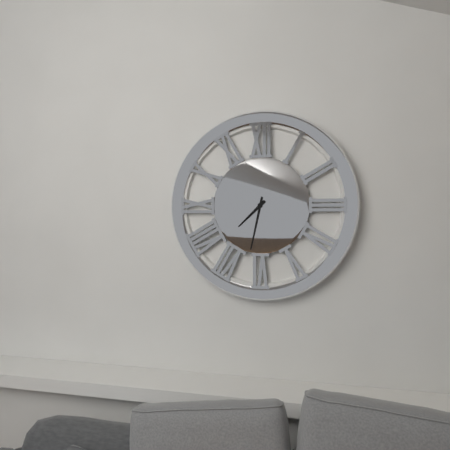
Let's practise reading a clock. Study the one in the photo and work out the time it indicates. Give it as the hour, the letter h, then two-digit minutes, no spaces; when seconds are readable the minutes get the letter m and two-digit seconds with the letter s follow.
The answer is 7h32
